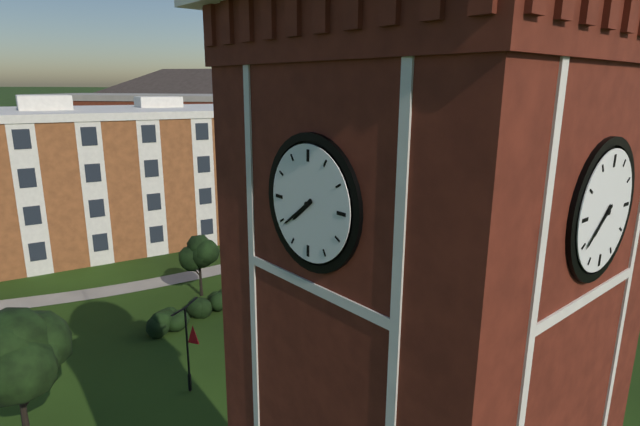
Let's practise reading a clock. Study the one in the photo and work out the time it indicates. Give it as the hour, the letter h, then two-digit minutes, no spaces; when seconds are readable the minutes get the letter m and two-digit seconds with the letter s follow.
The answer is 7h39
